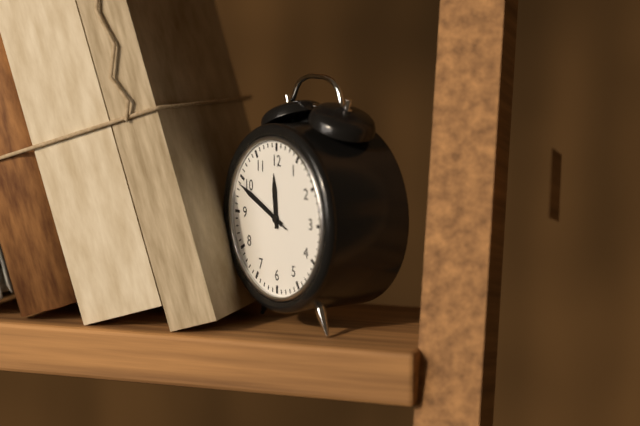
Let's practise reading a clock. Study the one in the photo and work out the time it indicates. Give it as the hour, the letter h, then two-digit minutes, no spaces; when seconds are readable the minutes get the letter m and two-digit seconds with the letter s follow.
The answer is 11h49m49s
